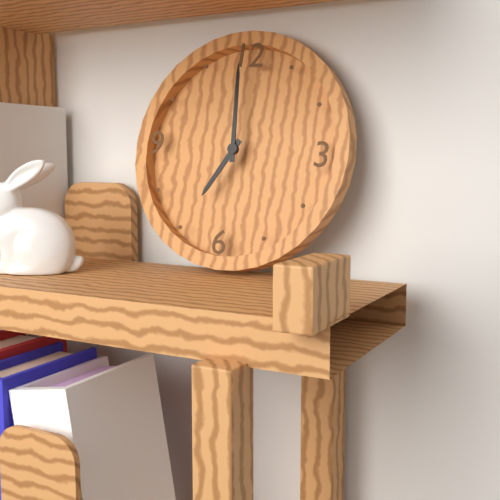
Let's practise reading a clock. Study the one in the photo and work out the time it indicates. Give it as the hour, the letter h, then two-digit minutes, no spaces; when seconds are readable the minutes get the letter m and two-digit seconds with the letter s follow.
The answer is 6h59
